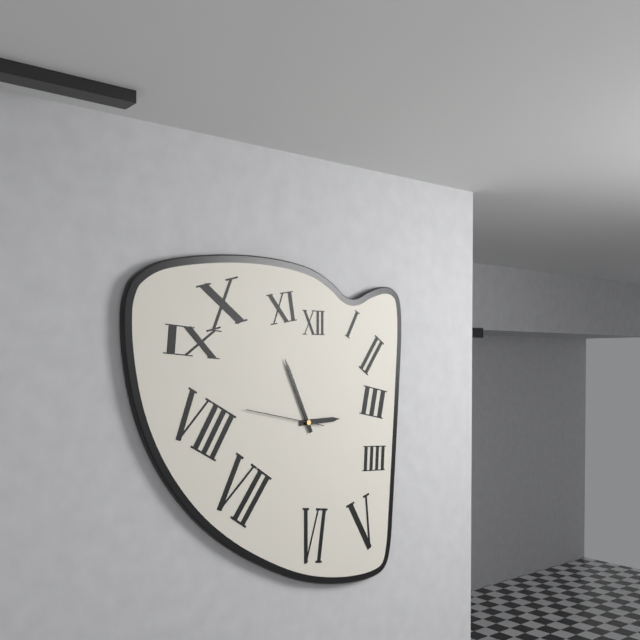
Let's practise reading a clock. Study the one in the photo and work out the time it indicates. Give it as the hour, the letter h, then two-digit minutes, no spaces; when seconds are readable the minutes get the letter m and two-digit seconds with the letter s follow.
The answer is 2h56m47s
